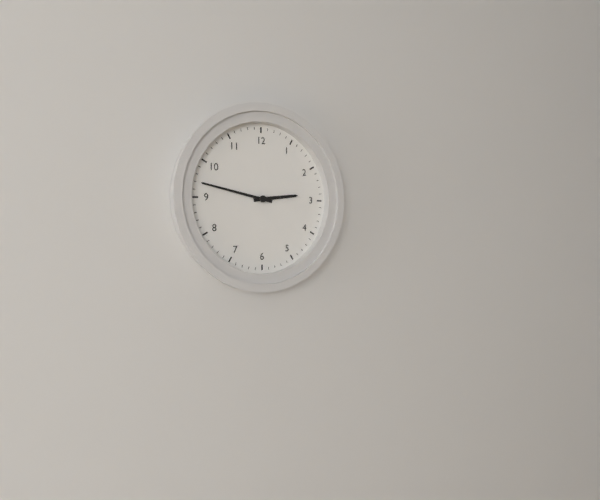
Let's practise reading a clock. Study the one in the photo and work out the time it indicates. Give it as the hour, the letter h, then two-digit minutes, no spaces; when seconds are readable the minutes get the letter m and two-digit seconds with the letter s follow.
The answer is 2h47
